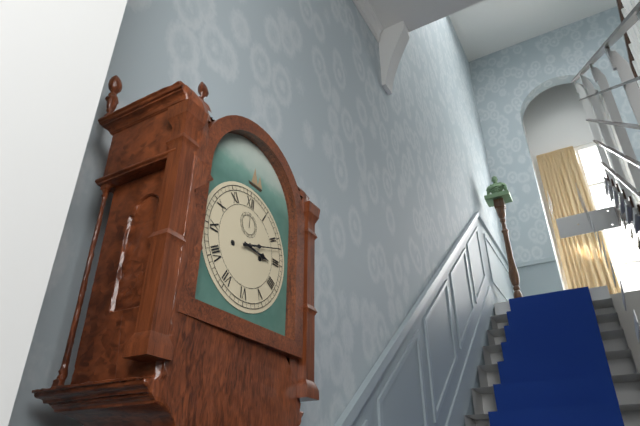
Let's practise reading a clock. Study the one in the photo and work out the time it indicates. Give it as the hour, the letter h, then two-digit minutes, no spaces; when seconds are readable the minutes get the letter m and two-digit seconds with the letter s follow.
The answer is 3h12
